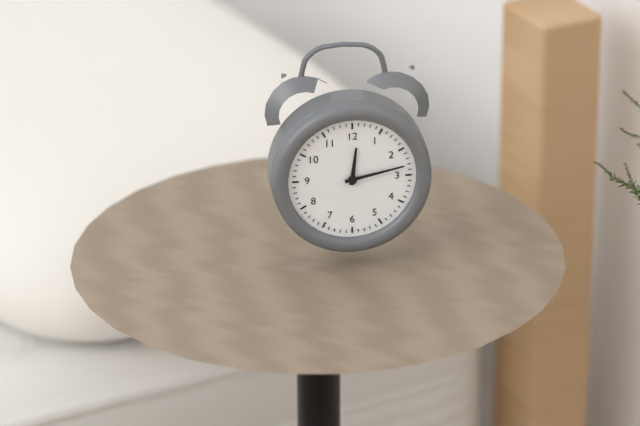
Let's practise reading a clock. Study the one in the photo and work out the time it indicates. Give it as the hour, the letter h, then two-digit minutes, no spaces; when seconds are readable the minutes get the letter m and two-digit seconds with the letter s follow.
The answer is 12h13
